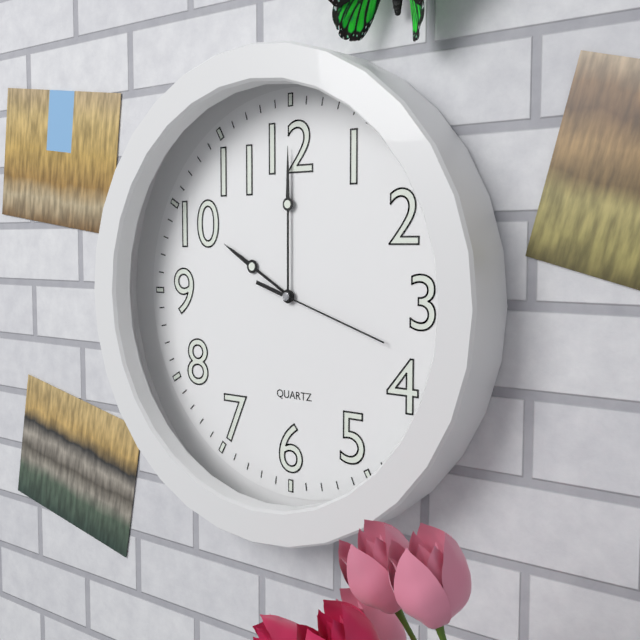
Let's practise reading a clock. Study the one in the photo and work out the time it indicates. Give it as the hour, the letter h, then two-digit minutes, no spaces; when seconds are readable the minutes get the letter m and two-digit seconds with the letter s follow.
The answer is 10h00m18s
